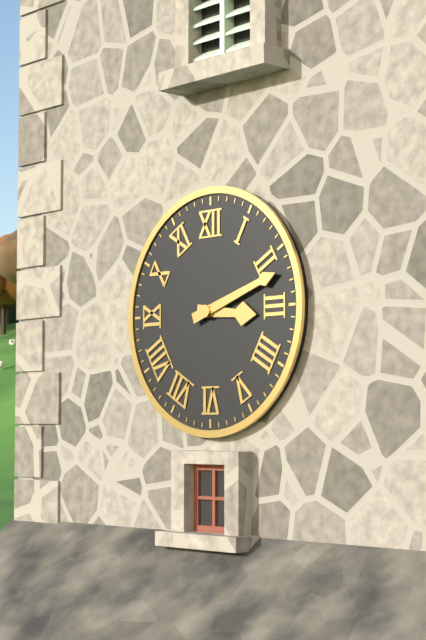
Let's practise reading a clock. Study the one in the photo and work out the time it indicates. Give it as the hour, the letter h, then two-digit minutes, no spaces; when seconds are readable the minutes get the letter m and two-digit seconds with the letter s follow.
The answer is 3h12
